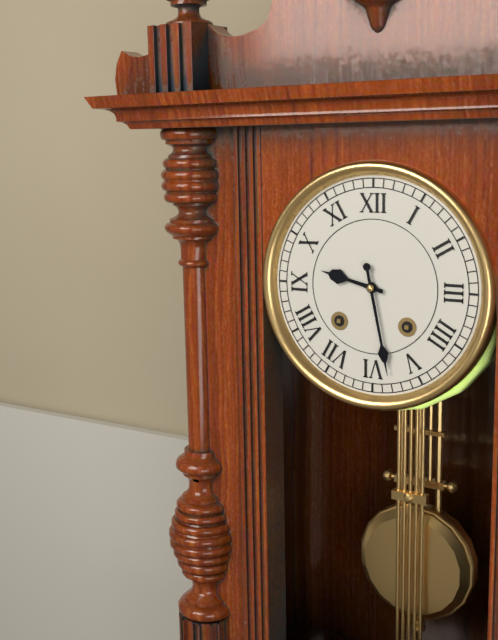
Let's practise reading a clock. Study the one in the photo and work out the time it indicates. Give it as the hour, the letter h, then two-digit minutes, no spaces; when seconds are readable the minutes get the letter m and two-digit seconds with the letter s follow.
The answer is 9h28
